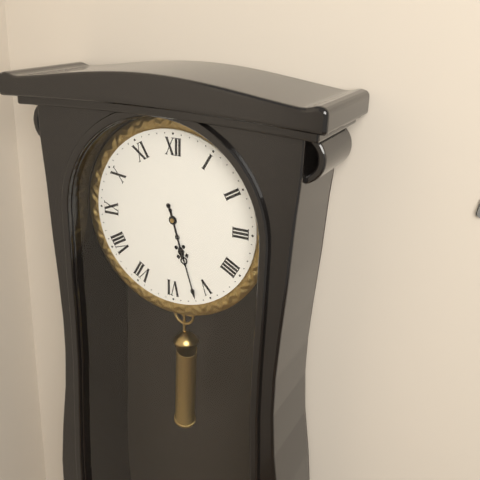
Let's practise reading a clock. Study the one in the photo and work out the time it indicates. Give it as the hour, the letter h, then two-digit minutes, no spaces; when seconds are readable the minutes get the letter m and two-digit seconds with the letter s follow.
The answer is 5h27
